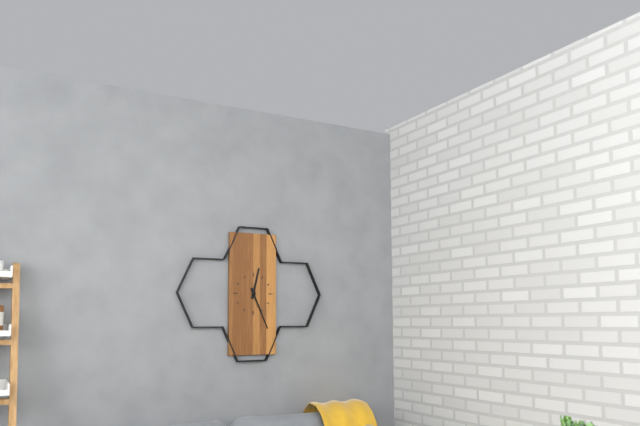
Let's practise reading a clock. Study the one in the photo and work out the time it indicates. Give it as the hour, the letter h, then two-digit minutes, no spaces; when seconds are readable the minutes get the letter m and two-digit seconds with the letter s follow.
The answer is 12h26
